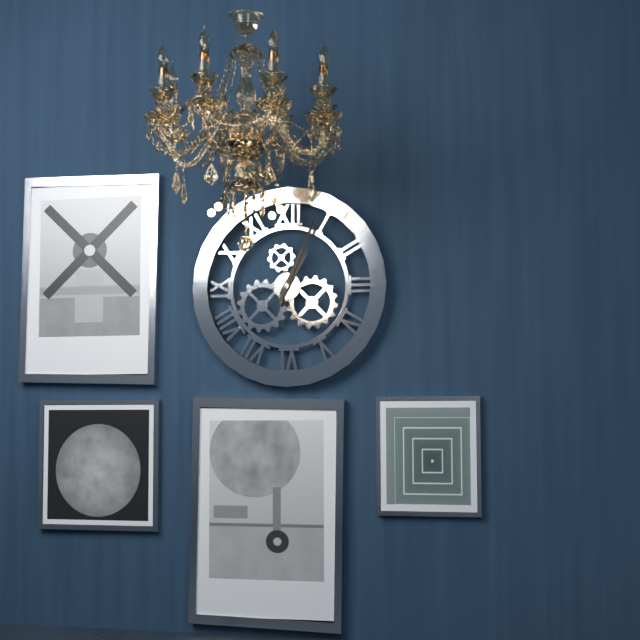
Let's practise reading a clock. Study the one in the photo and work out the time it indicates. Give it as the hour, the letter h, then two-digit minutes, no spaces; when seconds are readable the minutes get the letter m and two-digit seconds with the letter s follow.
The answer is 1h04
